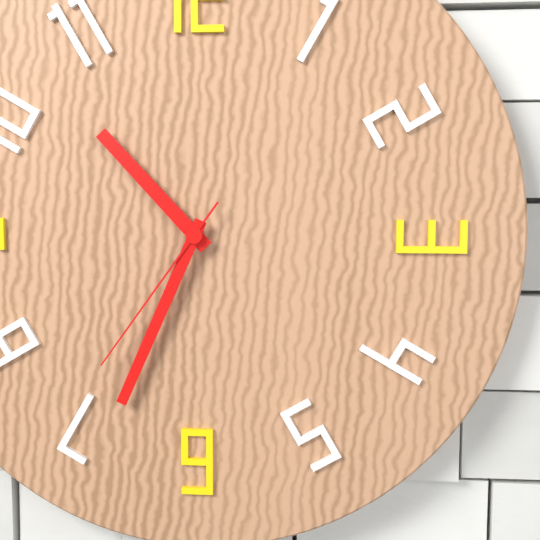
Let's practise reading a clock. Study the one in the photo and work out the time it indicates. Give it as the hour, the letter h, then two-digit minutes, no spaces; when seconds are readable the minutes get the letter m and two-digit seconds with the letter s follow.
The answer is 10h34m36s
